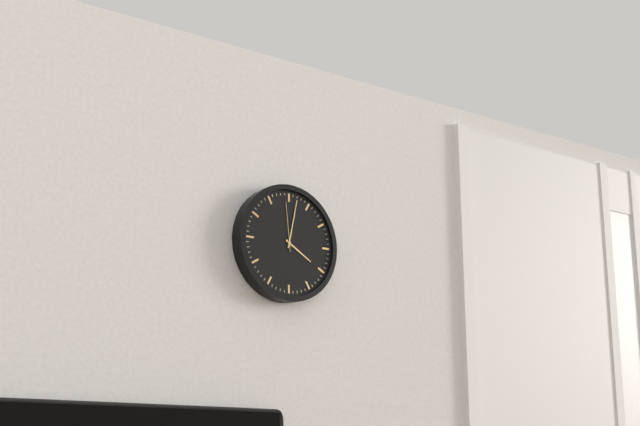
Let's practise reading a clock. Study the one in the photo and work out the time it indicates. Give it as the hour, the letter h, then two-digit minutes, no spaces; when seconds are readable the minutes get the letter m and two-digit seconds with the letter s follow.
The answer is 4h02m59s
